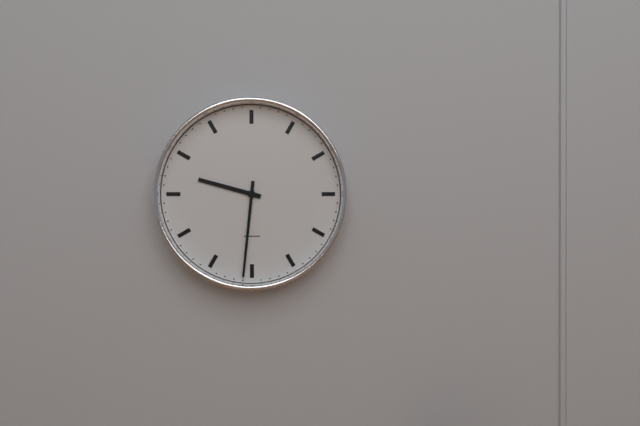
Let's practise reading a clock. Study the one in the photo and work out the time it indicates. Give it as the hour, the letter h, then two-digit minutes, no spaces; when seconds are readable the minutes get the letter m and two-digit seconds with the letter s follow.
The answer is 9h31
